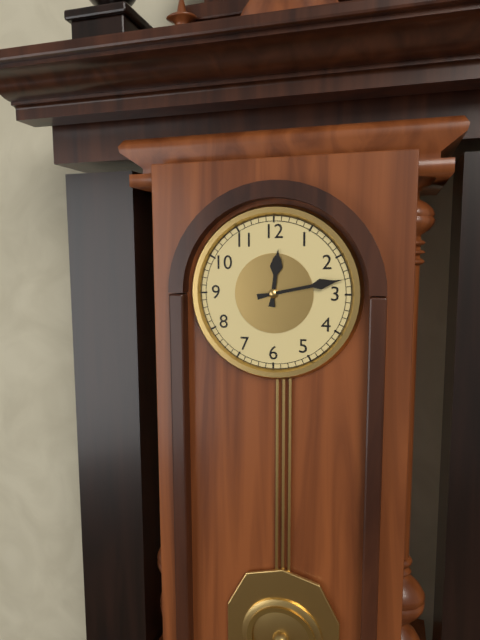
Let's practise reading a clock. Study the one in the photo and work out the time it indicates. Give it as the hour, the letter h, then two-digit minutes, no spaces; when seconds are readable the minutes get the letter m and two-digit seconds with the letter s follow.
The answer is 12h13
